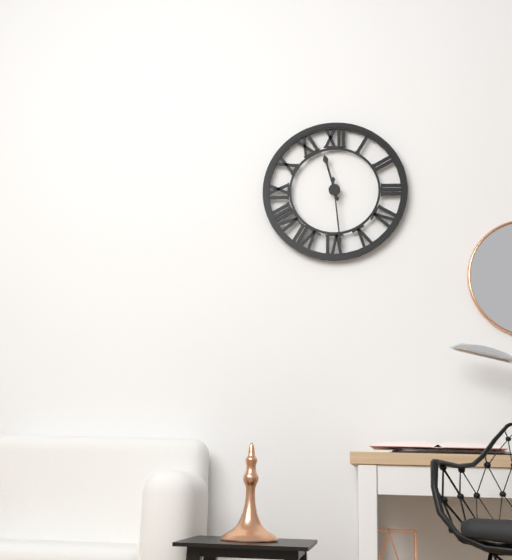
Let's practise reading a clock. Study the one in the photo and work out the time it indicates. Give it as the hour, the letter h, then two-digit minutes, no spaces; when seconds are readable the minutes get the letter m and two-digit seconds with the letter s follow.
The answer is 11h29
